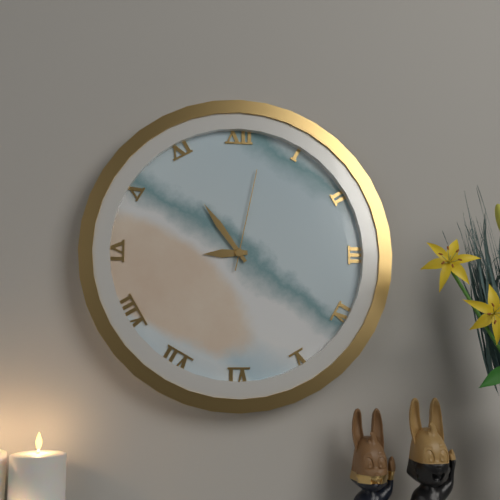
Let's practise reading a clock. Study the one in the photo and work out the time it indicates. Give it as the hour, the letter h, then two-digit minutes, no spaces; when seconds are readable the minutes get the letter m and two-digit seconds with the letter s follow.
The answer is 8h54m02s
